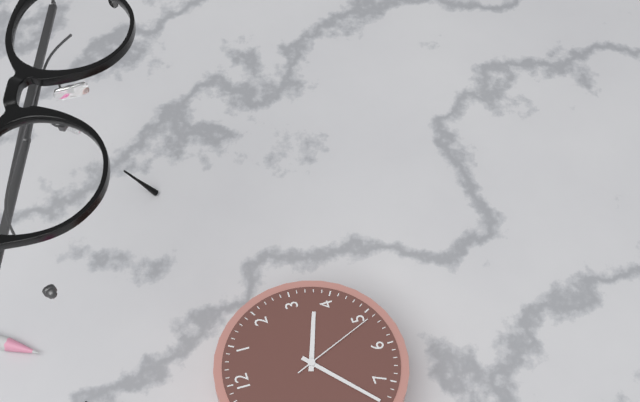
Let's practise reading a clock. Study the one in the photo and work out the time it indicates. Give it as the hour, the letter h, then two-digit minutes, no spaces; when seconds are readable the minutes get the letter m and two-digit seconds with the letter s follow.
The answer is 3h38m26s
